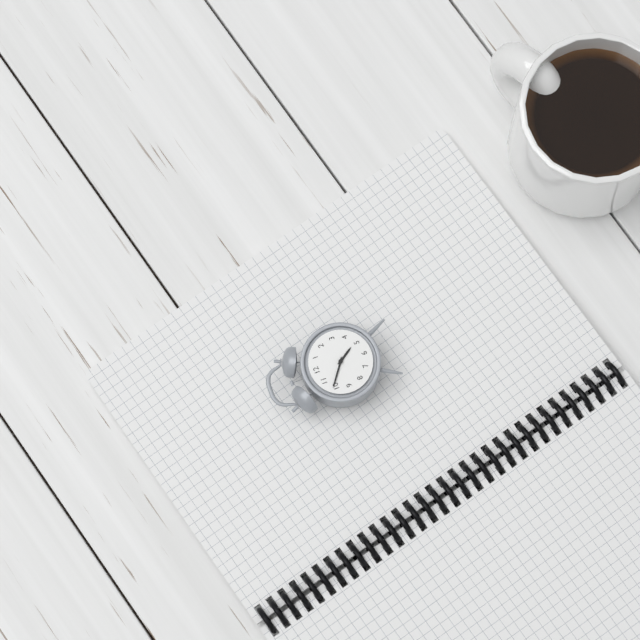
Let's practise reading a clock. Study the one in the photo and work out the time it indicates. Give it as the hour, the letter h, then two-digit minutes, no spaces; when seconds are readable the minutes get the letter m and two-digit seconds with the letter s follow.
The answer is 4h51
